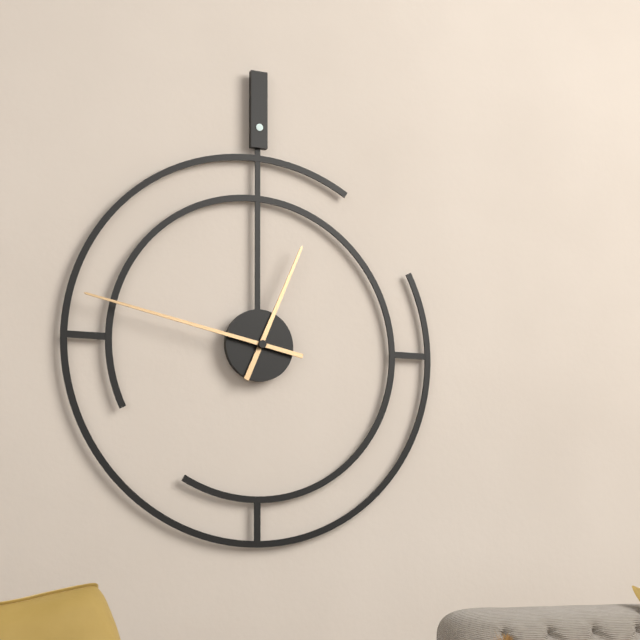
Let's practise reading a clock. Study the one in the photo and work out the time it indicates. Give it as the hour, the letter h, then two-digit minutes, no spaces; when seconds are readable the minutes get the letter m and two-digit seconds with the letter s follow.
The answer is 12h47
